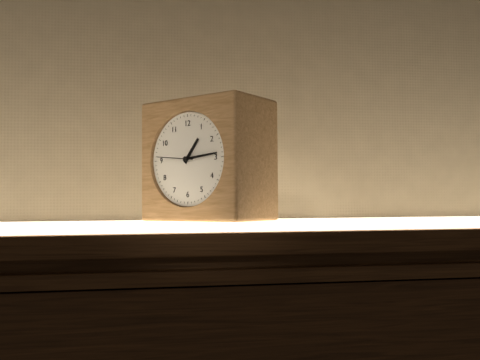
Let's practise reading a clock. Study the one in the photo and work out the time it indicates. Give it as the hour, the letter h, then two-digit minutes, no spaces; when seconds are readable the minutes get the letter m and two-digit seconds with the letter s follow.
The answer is 1h14
